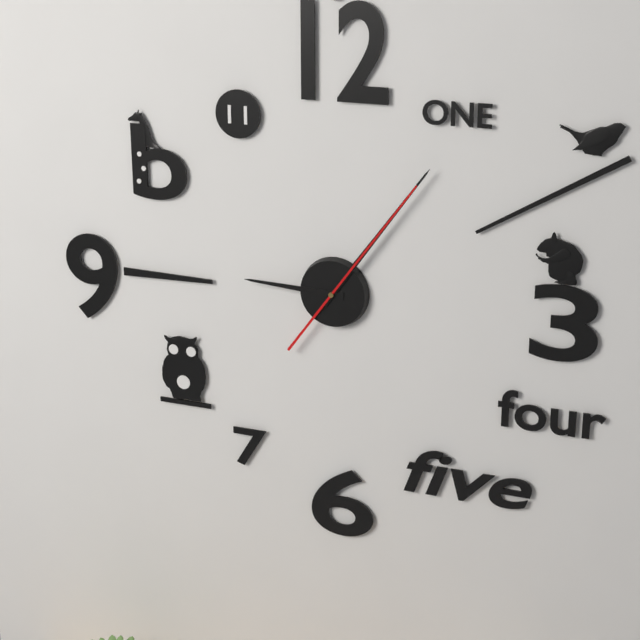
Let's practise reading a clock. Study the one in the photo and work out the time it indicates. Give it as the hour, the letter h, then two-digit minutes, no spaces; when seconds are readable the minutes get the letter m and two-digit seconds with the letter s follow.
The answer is 9h06m06s
